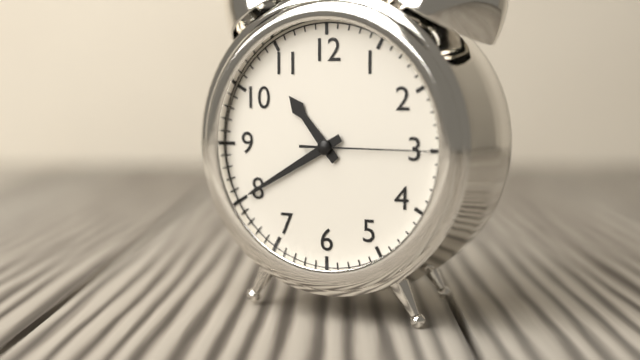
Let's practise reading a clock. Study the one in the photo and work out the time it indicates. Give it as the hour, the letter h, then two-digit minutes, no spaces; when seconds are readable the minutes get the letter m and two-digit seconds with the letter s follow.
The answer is 10h40m15s
